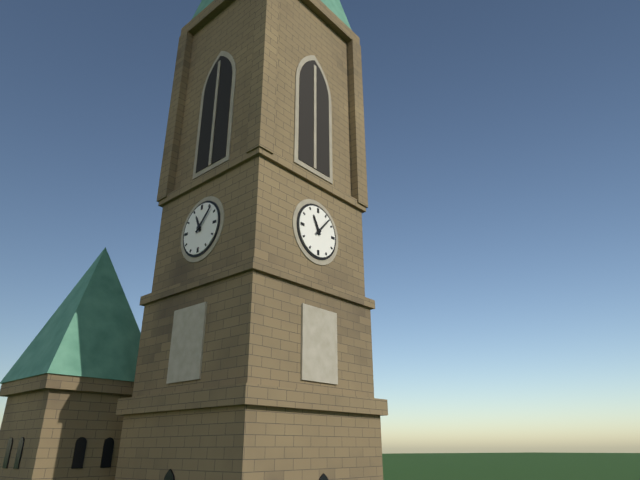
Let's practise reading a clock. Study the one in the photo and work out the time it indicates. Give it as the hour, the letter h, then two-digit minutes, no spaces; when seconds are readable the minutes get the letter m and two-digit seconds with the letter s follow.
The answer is 11h07
